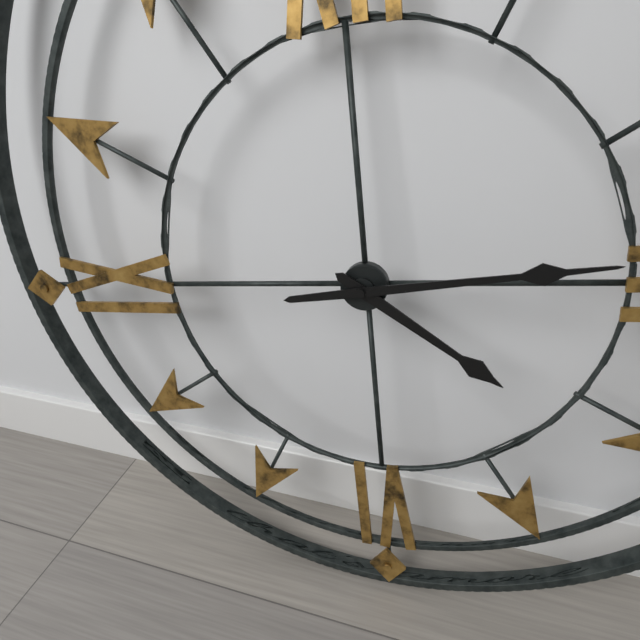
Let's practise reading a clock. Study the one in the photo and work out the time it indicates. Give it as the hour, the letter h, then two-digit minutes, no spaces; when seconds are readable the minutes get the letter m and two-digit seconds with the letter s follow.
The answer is 4h14
